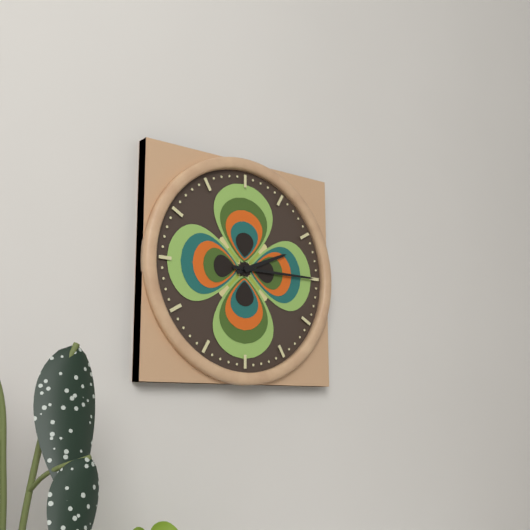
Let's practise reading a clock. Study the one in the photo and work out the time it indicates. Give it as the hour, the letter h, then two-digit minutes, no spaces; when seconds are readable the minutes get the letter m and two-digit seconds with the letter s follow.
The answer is 2h15
